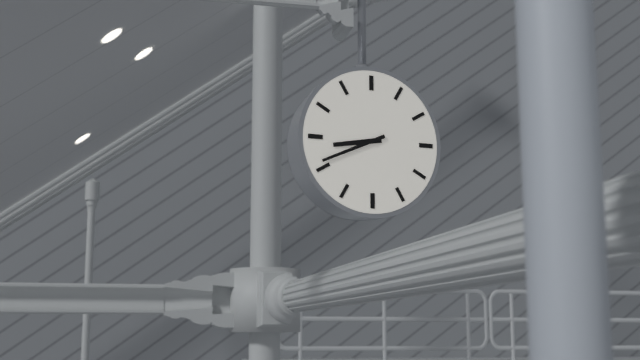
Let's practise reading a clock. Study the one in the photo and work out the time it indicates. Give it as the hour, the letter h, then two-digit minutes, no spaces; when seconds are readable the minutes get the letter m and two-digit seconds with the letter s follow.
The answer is 8h41
